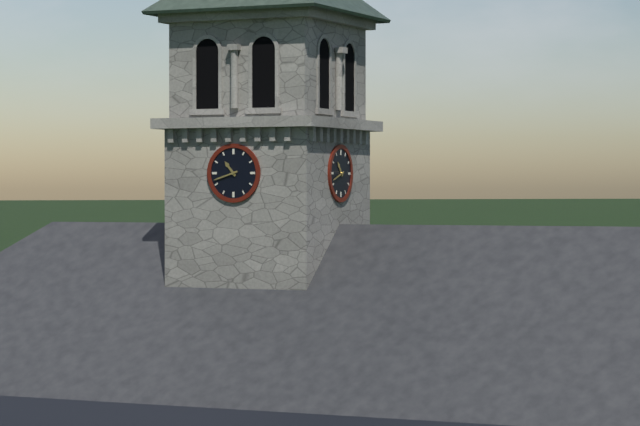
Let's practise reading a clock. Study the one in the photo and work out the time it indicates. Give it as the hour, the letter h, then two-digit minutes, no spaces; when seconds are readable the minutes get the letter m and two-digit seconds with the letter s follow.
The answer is 10h42
